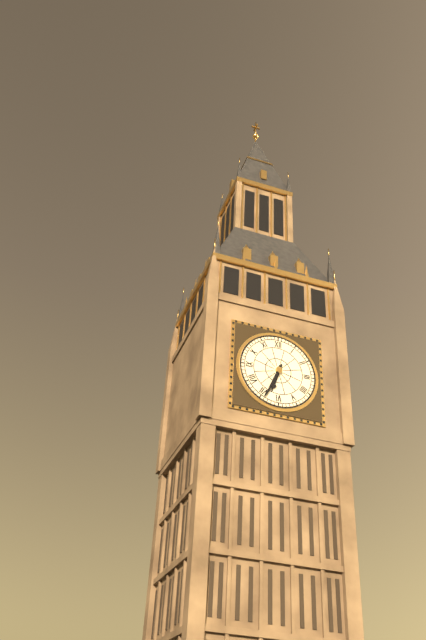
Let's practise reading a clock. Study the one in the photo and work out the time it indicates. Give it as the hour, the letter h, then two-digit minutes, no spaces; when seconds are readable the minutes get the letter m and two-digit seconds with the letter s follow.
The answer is 6h34
